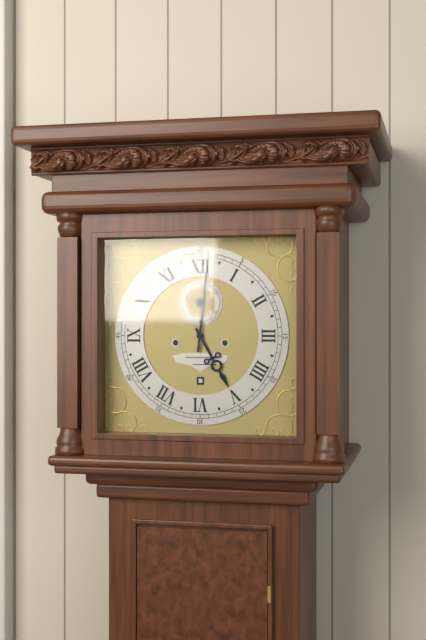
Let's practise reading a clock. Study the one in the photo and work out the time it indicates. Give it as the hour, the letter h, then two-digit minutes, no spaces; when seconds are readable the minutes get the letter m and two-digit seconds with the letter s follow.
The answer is 5h01
